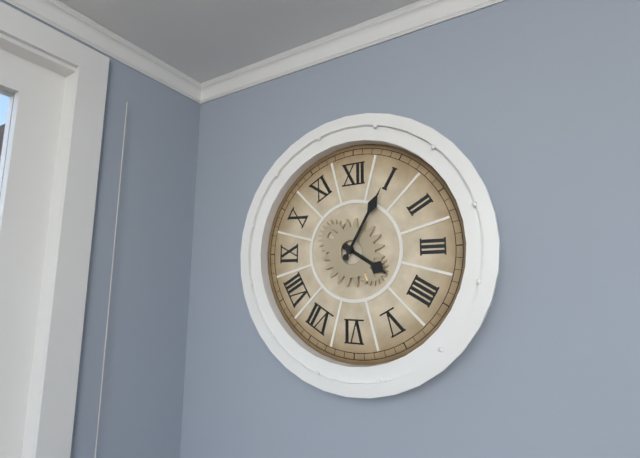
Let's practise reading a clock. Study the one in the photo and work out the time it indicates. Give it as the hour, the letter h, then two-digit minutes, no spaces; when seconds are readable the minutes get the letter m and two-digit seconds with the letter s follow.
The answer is 4h05
